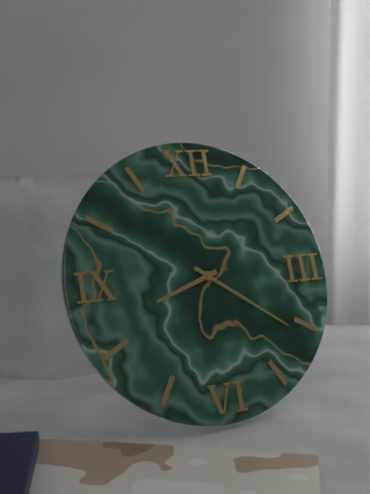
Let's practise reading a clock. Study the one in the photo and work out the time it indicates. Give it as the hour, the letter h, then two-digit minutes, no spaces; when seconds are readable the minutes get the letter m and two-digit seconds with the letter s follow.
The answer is 8h21
